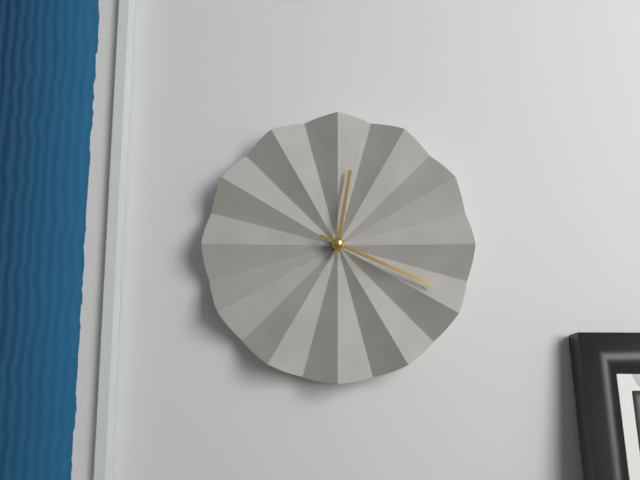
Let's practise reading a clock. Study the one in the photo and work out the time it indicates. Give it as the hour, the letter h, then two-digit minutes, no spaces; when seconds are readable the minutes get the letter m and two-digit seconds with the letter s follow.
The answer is 12h19
